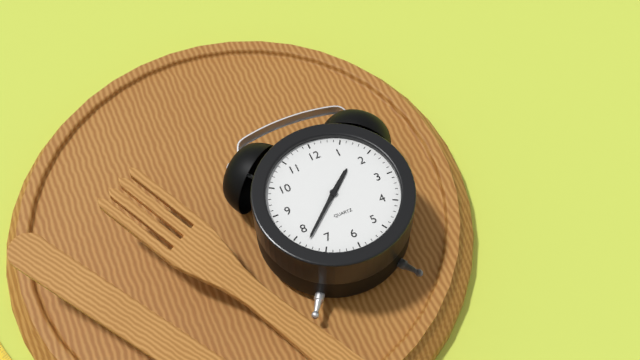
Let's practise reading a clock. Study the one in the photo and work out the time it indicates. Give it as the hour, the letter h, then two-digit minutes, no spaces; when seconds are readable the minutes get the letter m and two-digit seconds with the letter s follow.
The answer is 1h38
